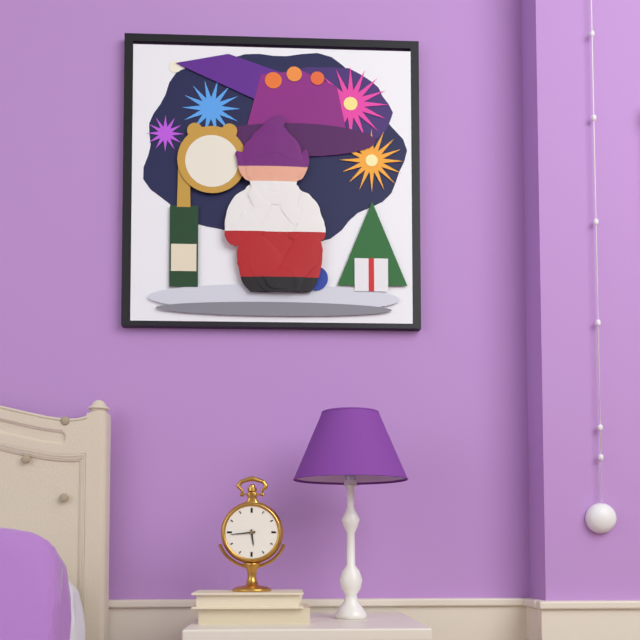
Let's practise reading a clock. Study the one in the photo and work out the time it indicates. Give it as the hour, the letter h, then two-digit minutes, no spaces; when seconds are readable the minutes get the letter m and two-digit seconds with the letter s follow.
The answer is 5h44
